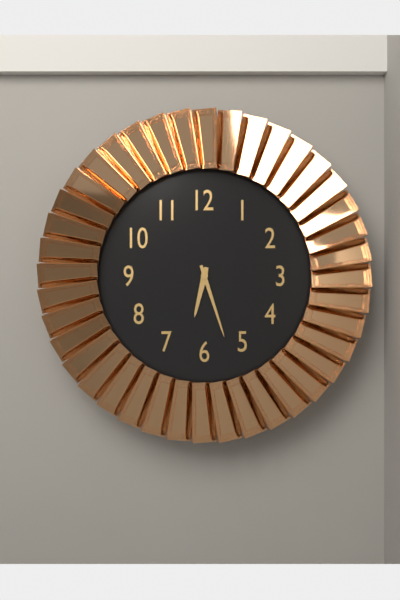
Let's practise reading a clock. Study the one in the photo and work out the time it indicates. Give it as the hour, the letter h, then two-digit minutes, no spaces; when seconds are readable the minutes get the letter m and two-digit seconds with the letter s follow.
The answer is 6h27
